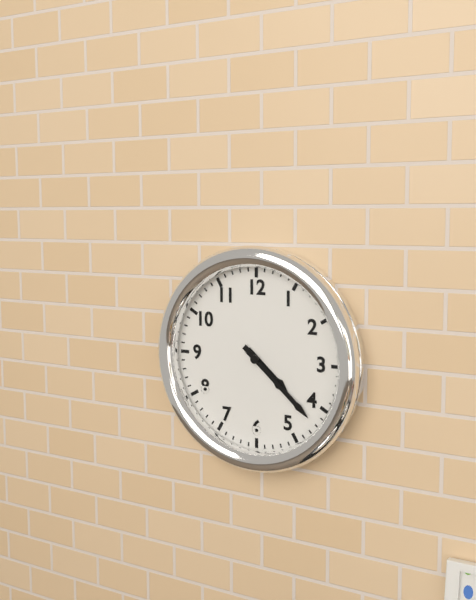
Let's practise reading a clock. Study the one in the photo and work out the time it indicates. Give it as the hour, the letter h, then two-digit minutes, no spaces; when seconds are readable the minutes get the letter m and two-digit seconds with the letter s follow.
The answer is 4h22
